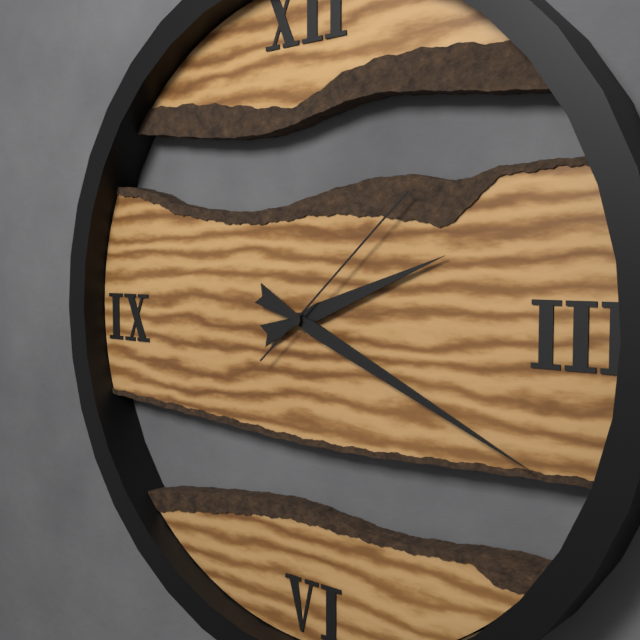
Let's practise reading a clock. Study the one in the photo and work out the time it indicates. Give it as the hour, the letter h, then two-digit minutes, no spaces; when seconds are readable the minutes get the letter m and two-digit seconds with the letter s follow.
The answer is 2h19m08s
